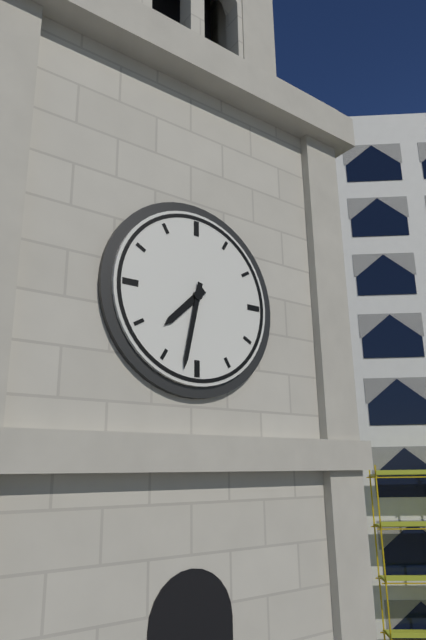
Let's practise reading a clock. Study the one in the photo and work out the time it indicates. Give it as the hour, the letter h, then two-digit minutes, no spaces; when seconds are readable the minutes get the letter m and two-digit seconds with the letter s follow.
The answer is 7h32
